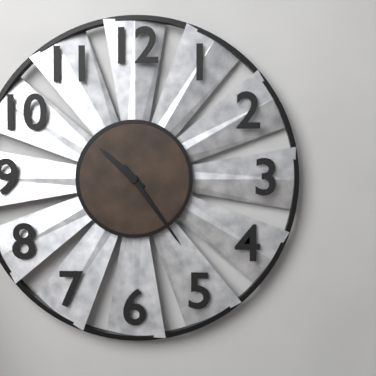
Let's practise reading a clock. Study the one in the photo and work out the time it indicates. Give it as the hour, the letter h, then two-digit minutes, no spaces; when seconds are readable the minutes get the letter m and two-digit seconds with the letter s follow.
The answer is 10h24
